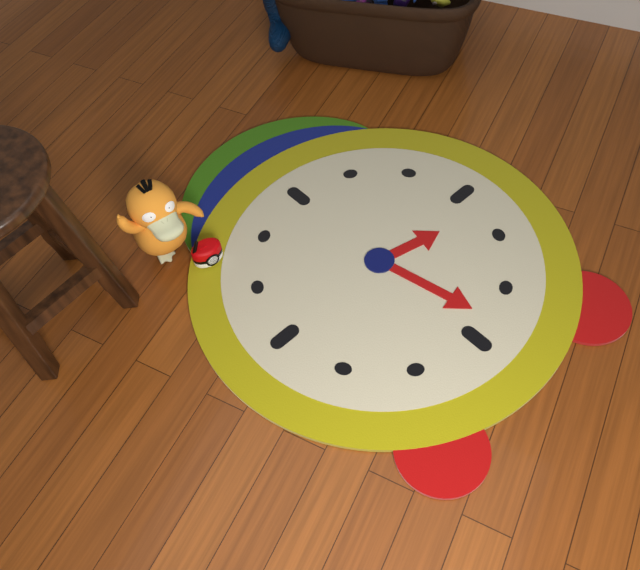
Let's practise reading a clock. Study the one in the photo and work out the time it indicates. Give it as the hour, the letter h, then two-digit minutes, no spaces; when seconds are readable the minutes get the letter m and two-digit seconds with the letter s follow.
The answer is 3h28
